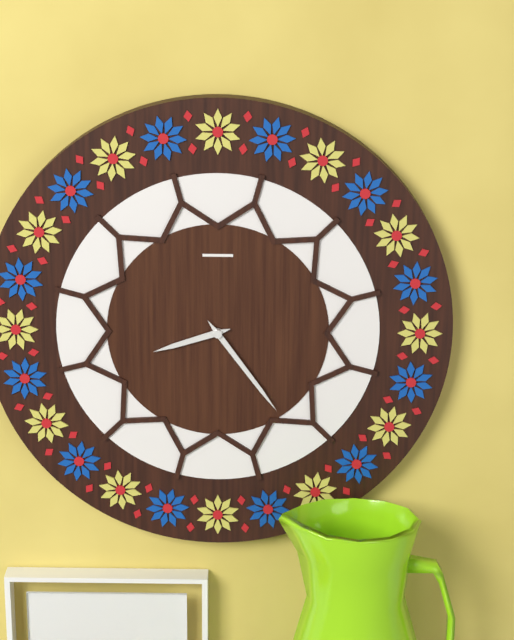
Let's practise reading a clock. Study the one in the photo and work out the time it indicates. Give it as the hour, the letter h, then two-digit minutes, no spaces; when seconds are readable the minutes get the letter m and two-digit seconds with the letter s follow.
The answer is 8h24
